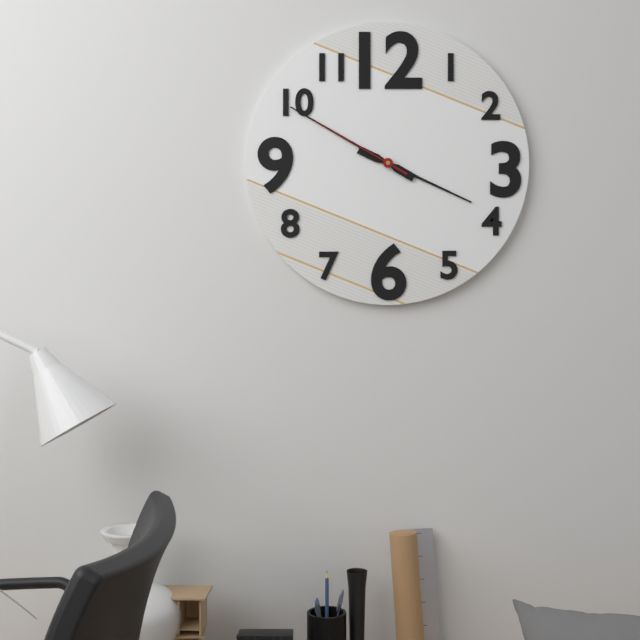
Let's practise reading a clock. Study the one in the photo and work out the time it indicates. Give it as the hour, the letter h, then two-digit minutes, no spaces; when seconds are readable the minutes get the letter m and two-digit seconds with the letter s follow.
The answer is 3h50m50s
